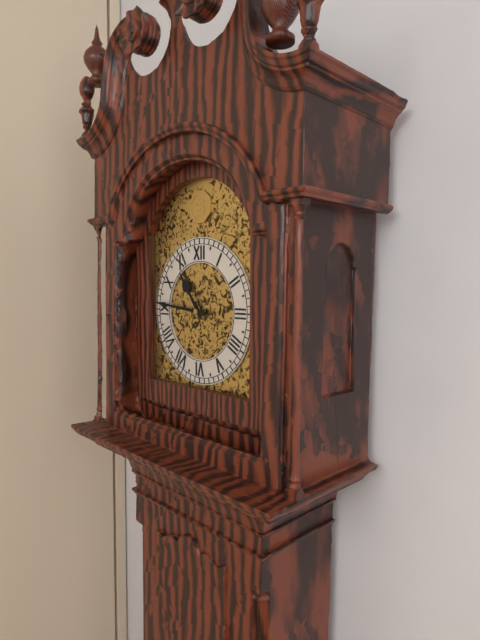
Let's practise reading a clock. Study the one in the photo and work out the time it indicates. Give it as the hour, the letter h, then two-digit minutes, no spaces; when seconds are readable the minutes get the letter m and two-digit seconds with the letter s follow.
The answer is 10h46
